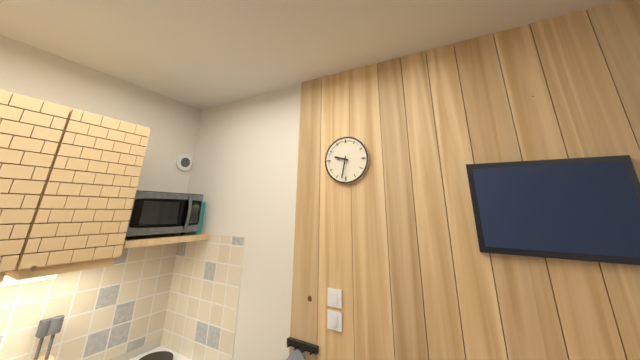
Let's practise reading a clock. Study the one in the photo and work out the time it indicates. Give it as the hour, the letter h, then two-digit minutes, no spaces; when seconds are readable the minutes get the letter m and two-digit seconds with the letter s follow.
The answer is 9h32
